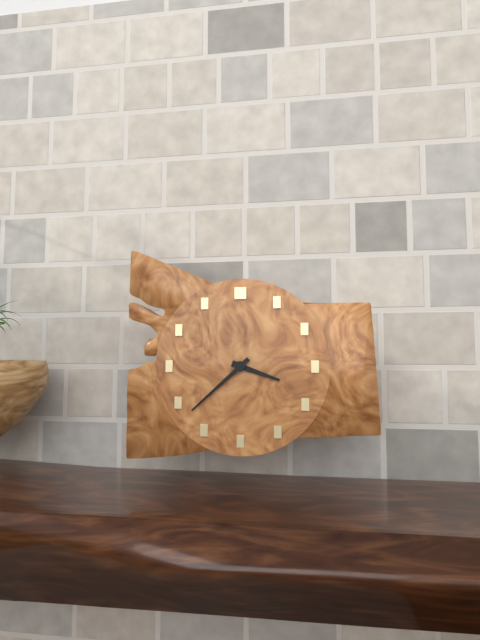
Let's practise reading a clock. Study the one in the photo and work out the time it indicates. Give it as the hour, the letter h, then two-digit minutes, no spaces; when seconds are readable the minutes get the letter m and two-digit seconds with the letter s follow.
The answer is 3h38
